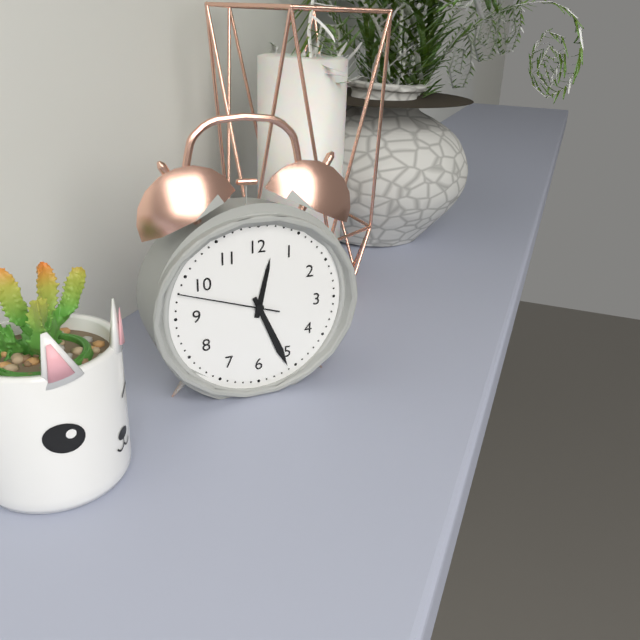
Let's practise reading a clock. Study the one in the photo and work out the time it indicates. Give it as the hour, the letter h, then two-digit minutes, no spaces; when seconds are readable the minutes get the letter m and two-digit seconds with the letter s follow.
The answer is 12h26m48s
